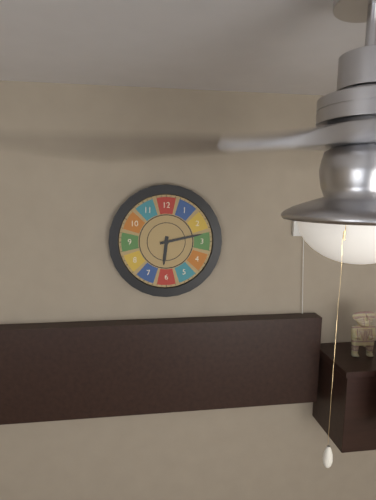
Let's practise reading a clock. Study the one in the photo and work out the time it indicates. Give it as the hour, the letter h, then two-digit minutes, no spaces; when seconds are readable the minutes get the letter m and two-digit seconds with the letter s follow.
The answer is 6h13
